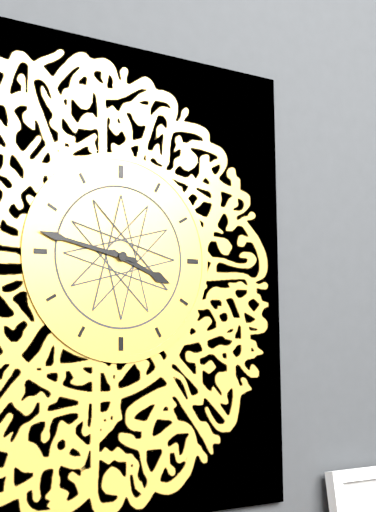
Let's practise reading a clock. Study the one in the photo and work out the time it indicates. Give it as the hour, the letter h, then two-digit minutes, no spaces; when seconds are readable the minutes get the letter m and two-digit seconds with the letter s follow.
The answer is 3h47
